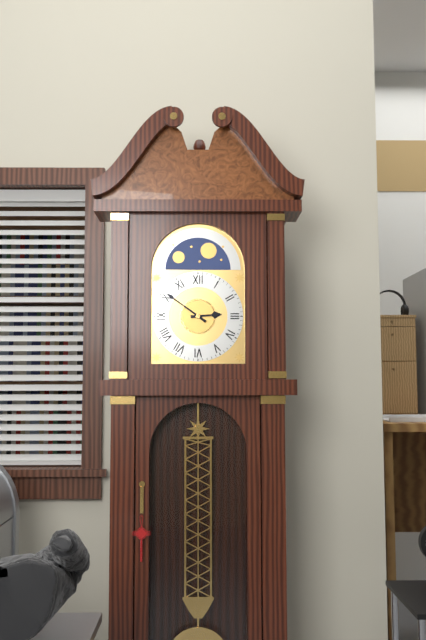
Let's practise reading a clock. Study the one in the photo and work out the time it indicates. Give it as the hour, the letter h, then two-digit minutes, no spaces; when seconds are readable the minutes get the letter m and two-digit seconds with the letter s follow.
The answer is 2h51
